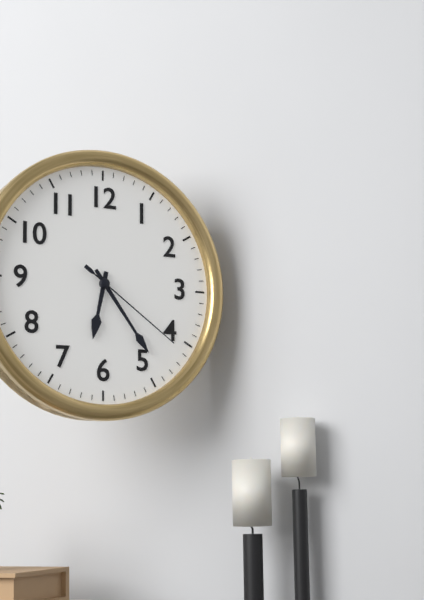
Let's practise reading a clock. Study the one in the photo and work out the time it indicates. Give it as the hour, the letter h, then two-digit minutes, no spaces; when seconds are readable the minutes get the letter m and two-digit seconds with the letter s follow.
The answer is 6h24m21s
